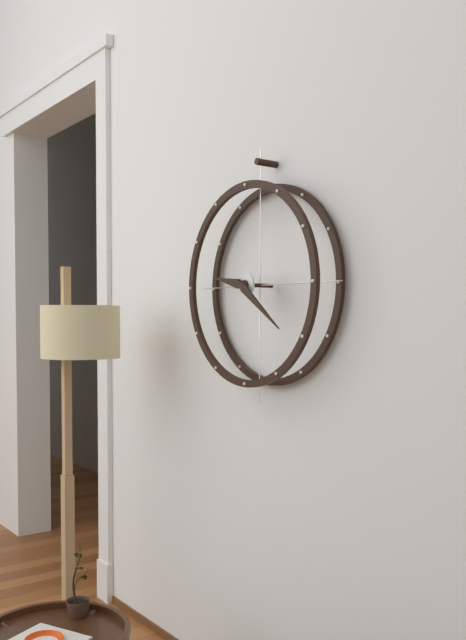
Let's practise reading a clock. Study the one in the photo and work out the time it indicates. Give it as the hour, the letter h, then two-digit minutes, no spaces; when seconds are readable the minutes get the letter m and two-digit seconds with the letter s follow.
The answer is 9h21
